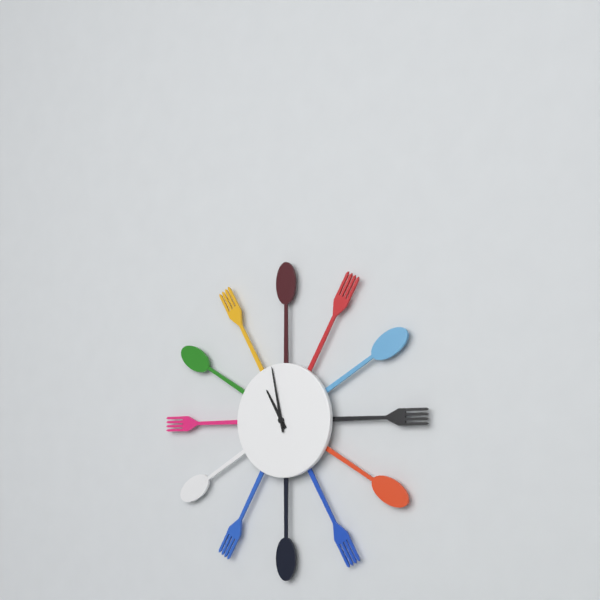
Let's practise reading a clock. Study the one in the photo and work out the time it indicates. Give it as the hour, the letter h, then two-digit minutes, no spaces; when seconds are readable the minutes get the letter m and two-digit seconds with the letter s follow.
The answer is 10h58
